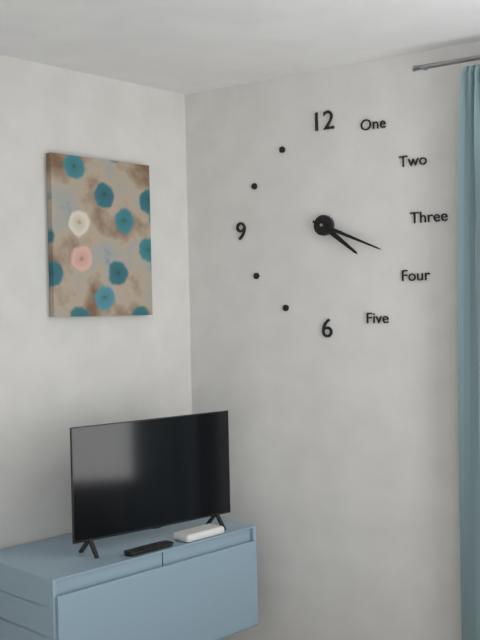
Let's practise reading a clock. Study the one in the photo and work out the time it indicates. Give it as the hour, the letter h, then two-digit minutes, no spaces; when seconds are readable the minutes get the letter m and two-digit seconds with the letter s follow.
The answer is 4h19
